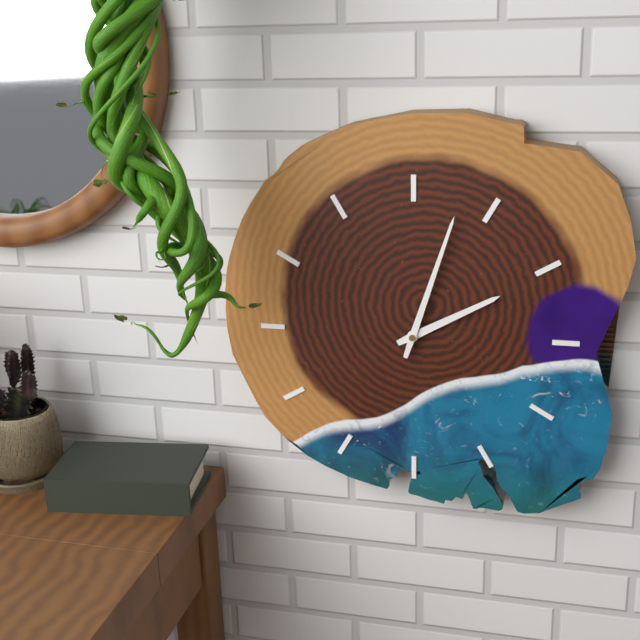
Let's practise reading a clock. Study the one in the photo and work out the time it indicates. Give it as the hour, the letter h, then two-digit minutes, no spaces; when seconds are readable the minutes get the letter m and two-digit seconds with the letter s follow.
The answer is 2h03
